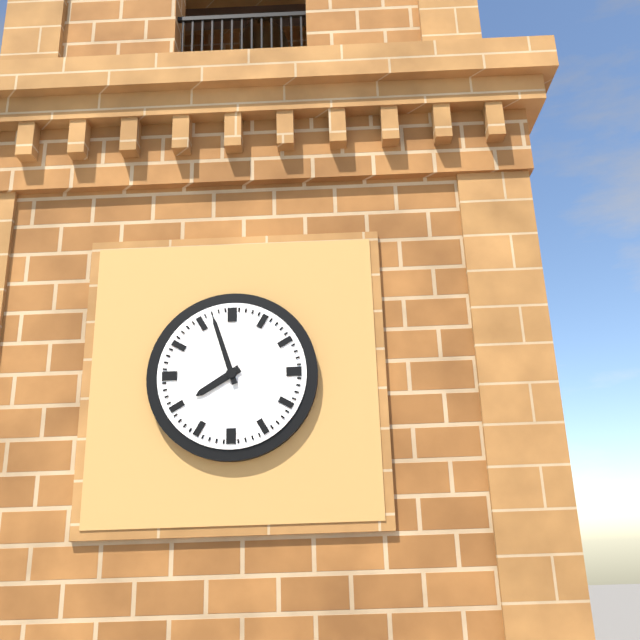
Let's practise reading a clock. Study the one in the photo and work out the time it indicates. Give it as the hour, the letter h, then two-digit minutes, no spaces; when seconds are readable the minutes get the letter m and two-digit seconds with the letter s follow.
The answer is 7h57
